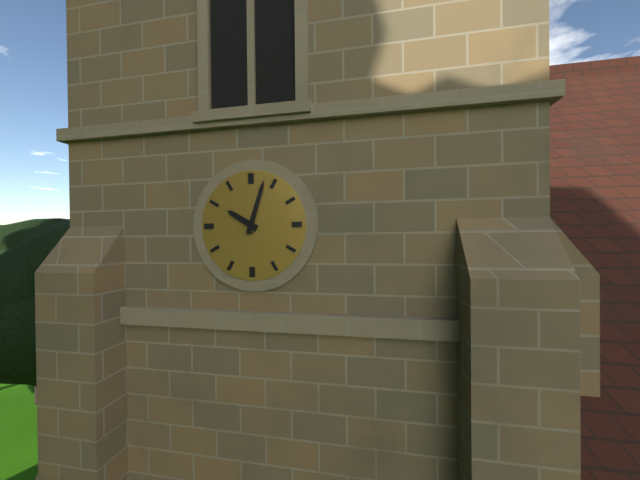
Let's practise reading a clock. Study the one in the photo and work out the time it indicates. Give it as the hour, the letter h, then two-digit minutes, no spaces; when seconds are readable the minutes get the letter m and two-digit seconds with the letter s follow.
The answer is 10h03
